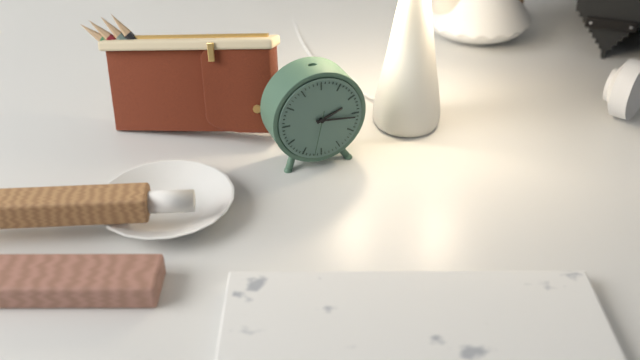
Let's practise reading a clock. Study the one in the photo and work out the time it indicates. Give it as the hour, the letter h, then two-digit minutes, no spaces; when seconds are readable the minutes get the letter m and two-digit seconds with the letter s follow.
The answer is 2h16
